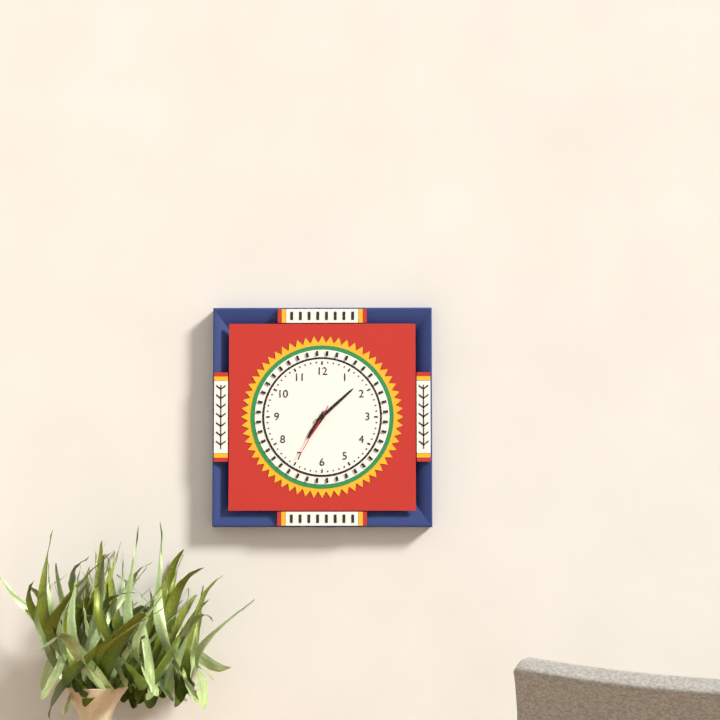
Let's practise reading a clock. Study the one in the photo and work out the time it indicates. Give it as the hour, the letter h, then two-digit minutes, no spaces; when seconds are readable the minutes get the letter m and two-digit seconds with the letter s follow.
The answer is 7h08m35s
